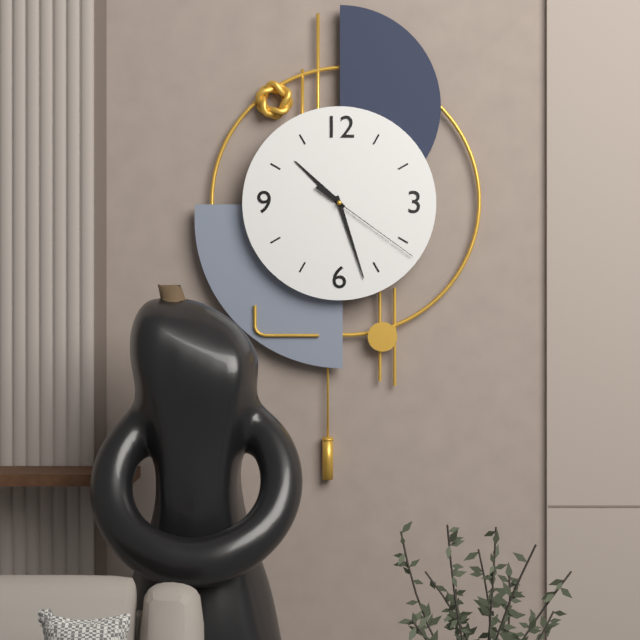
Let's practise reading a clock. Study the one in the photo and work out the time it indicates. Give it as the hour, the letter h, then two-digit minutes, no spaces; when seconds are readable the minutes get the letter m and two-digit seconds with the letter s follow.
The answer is 10h27m21s
